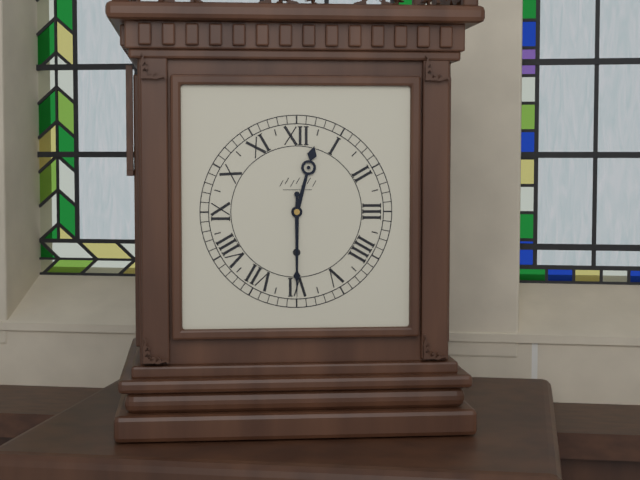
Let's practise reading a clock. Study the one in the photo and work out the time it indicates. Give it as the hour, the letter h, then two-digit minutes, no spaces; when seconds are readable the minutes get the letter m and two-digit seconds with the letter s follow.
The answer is 12h30
